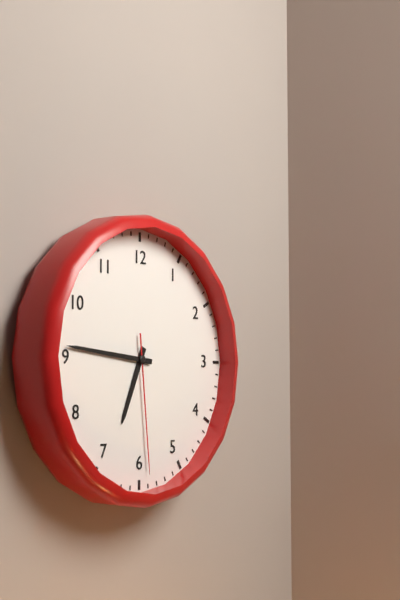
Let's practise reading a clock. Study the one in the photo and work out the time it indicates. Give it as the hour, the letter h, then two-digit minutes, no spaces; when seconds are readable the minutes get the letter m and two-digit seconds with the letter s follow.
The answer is 6h46m29s
